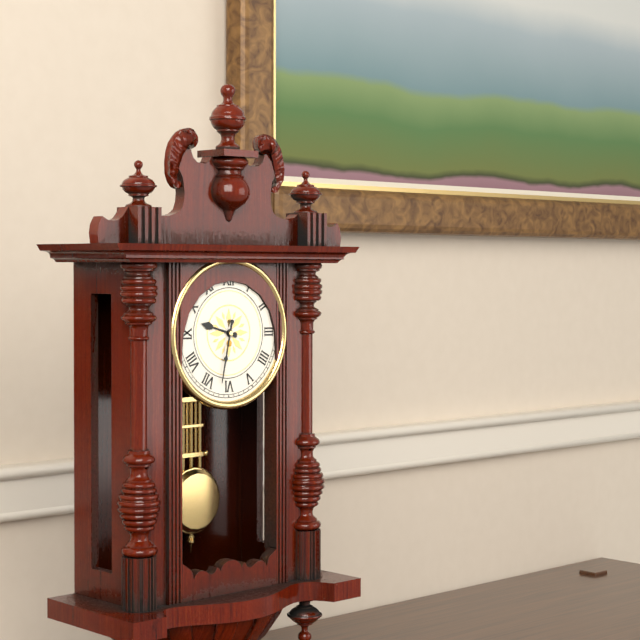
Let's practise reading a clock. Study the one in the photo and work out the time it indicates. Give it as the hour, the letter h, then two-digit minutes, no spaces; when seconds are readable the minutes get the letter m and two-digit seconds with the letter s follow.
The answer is 9h32
